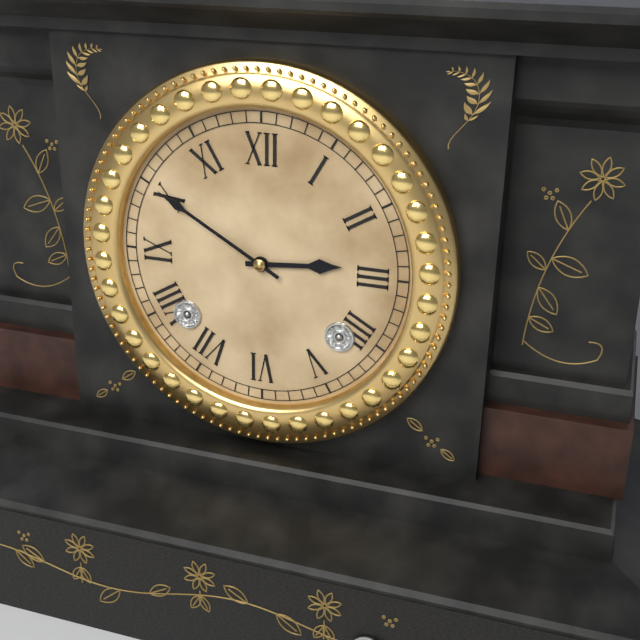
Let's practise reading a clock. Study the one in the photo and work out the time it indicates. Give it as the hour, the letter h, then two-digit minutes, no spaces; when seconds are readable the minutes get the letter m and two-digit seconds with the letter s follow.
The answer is 2h50
